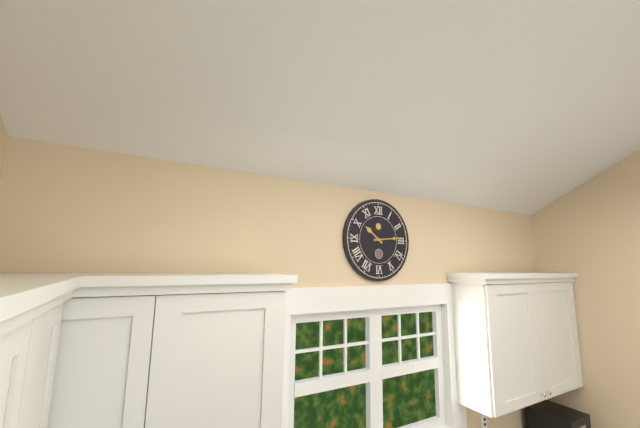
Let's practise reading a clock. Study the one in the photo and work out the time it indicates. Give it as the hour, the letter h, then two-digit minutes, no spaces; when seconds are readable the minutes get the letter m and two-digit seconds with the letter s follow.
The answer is 10h14
